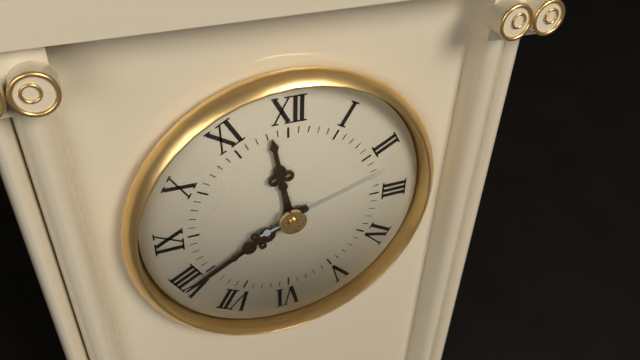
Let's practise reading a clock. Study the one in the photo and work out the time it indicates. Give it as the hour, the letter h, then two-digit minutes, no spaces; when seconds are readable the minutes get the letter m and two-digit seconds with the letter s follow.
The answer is 11h40m12s
